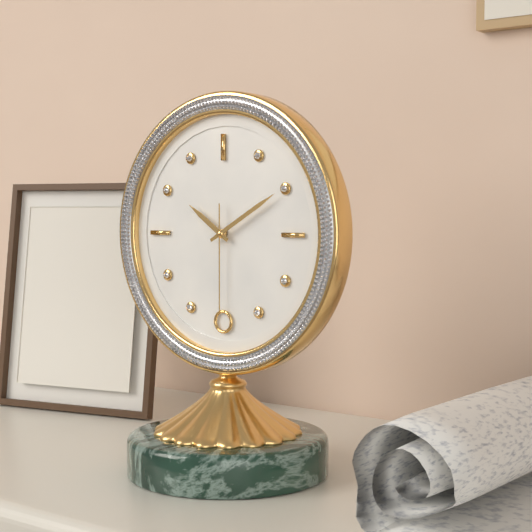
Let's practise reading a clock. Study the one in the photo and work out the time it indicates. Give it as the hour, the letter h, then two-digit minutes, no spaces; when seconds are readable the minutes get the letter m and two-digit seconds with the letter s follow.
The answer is 10h10m30s
